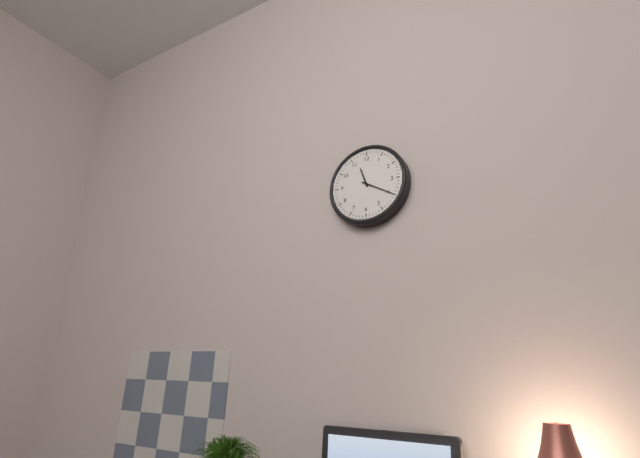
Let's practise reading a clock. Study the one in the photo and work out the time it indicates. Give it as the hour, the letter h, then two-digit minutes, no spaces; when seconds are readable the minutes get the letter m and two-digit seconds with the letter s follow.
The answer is 11h20
